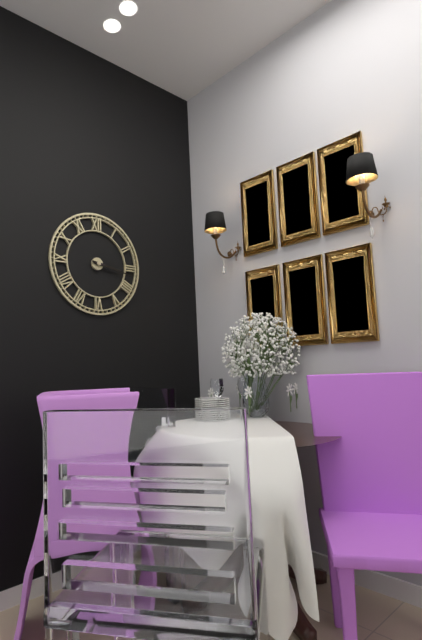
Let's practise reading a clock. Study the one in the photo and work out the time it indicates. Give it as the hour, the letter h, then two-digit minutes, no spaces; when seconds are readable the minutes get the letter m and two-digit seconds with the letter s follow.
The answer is 3h17
